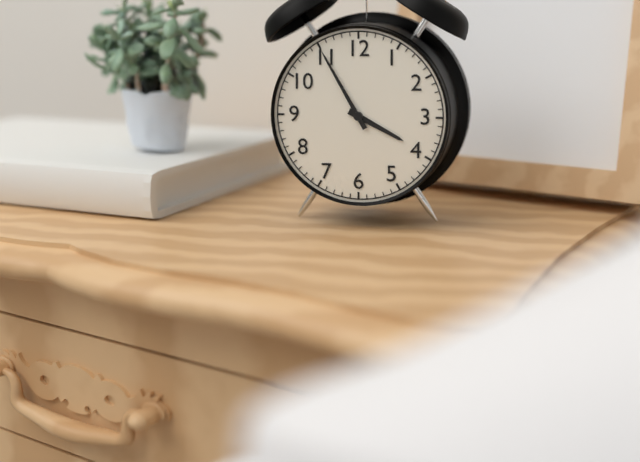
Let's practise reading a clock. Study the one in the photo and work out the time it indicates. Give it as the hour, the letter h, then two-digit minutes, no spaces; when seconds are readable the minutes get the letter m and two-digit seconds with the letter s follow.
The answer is 3h55
